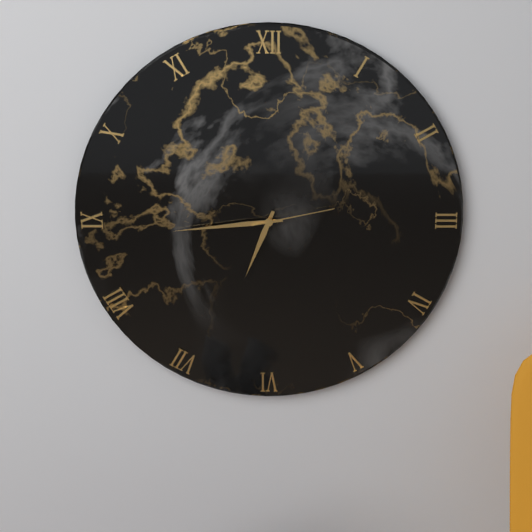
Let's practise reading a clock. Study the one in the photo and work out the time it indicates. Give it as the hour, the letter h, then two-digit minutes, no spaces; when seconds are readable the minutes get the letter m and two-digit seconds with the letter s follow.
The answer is 6h44m13s
